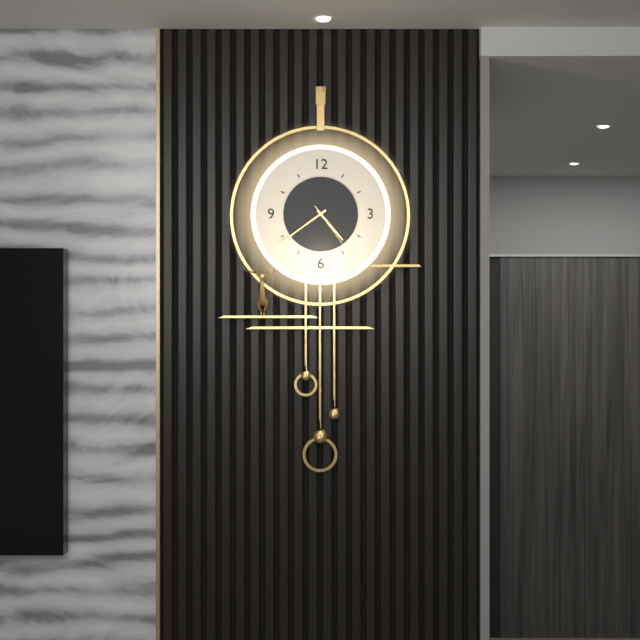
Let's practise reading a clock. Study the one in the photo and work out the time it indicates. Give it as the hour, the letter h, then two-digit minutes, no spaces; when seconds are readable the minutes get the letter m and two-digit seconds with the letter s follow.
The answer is 4h39m24s
